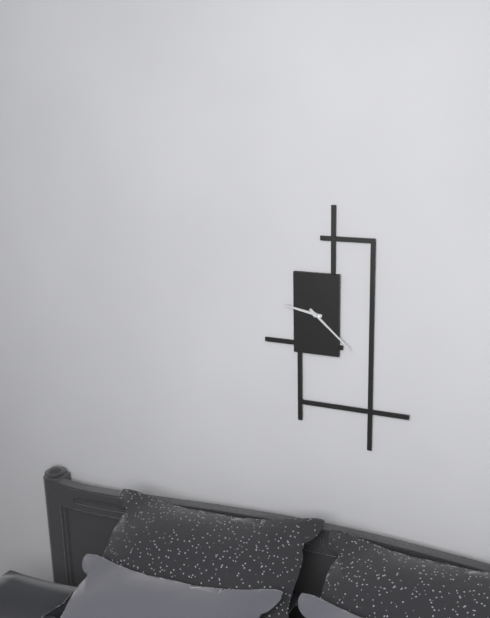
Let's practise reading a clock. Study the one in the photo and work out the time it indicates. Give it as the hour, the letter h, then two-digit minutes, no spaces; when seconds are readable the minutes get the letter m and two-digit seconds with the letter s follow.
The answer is 9h22
